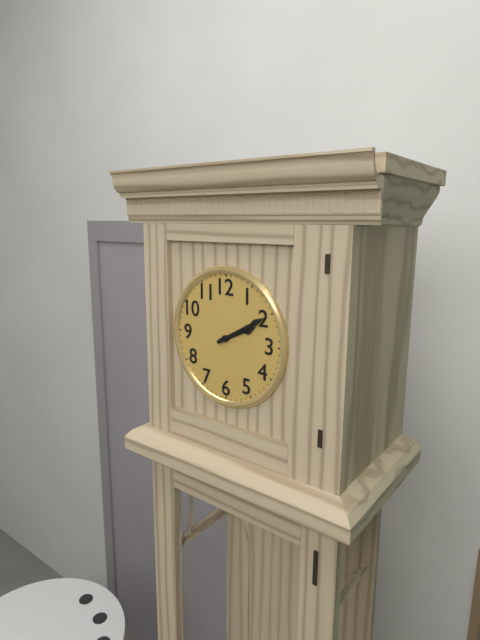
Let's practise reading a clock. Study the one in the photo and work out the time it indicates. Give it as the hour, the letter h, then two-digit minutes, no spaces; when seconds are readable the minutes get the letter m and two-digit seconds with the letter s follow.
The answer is 2h10
